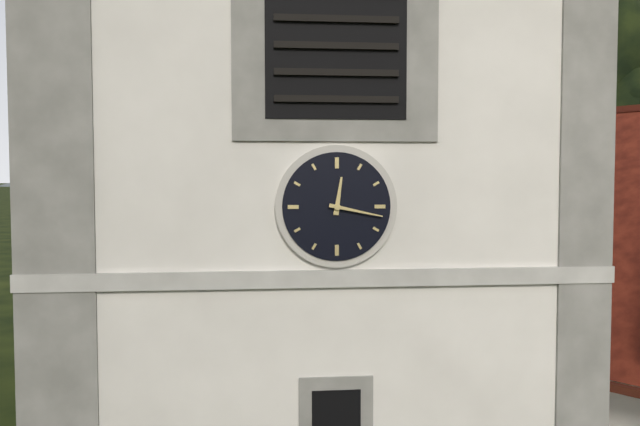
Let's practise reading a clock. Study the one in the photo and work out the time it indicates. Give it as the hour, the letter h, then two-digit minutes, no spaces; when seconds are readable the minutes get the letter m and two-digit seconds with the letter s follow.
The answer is 12h17
